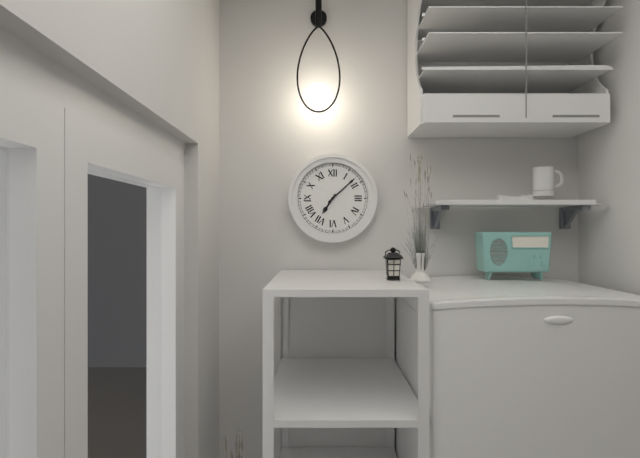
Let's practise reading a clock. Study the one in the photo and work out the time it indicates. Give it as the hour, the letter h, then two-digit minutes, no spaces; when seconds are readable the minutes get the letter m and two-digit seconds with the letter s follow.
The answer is 7h08
